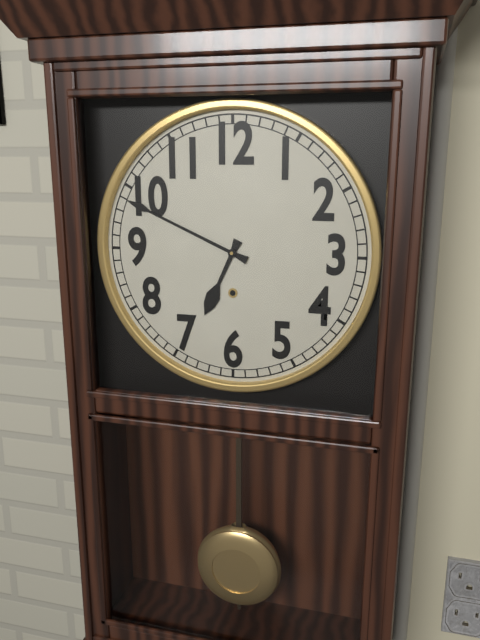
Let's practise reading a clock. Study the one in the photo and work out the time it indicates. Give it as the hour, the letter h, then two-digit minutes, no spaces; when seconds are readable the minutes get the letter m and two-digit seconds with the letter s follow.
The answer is 6h49
